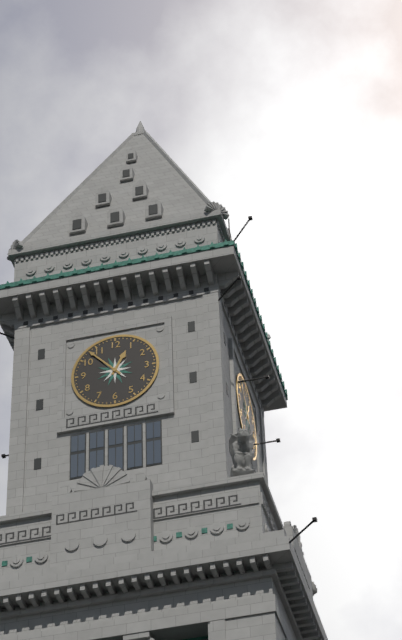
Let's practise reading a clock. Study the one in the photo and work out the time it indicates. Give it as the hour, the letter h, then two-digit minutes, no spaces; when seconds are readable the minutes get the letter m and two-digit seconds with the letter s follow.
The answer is 12h53
